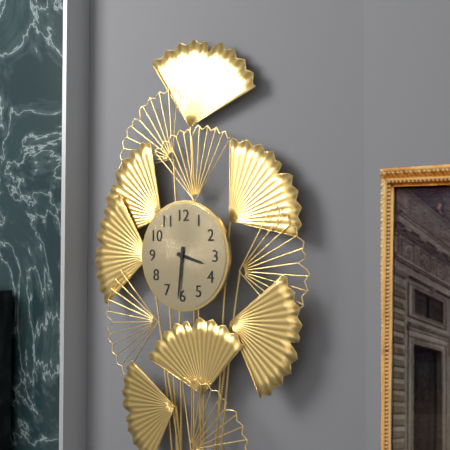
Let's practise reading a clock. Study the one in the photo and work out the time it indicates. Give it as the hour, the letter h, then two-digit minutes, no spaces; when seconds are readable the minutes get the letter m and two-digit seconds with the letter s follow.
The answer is 3h31
